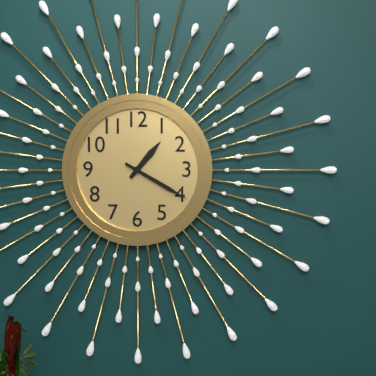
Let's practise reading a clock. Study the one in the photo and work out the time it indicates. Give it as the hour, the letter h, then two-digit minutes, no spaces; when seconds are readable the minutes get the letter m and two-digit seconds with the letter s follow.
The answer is 1h20
